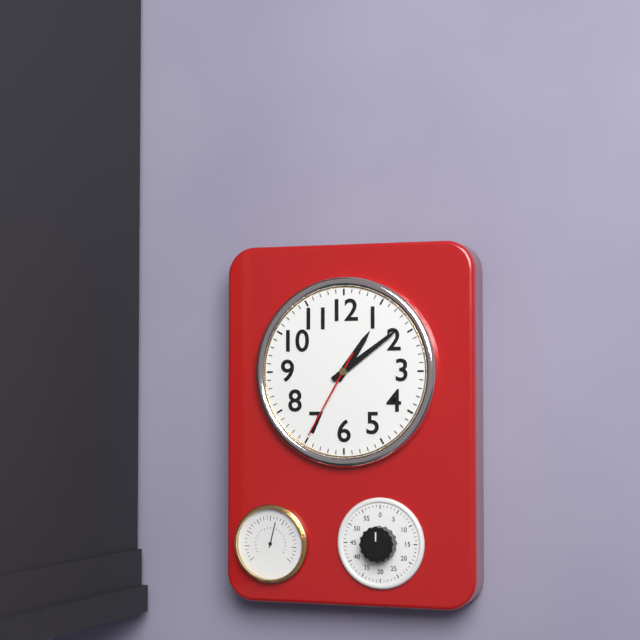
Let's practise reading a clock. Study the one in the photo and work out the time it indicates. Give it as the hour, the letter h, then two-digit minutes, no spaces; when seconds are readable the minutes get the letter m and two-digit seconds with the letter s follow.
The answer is 1h09m35s
